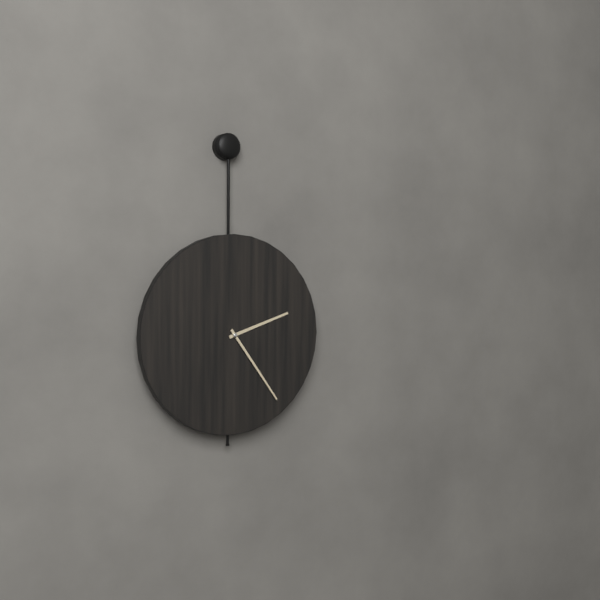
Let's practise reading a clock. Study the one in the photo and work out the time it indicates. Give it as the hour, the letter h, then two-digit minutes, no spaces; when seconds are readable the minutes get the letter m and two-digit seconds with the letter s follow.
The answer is 2h24
